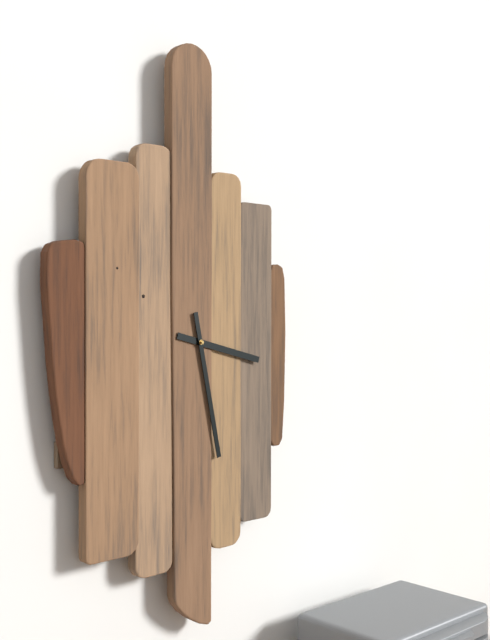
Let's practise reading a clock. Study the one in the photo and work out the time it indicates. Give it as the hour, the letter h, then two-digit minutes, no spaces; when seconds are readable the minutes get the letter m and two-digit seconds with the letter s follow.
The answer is 3h28
